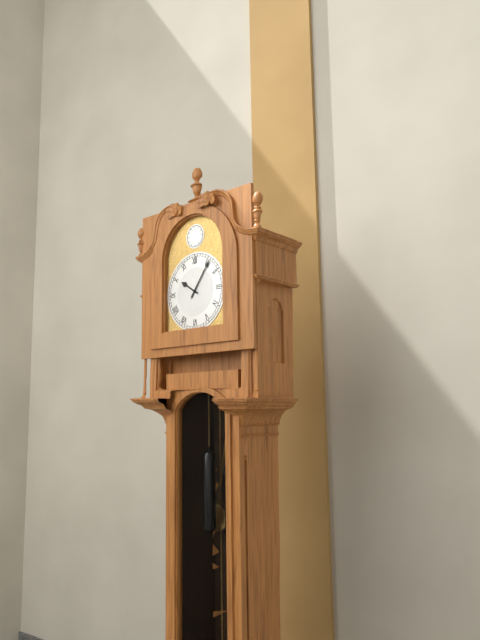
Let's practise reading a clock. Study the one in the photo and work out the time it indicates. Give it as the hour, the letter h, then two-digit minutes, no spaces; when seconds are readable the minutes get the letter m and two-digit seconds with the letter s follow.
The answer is 10h06
